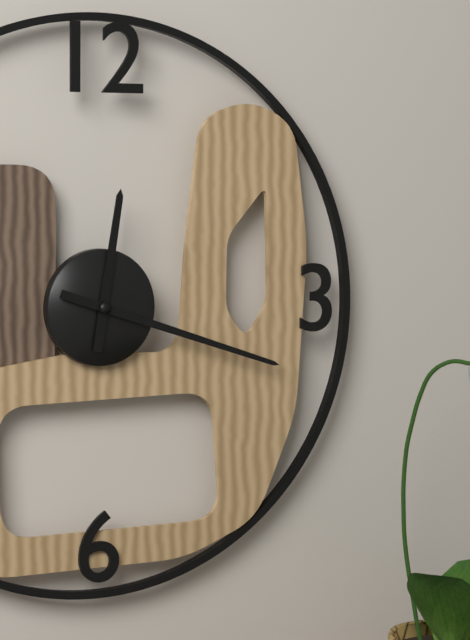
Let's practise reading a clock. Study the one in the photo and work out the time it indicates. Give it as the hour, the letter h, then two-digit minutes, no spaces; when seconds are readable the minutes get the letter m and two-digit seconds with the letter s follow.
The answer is 12h18
